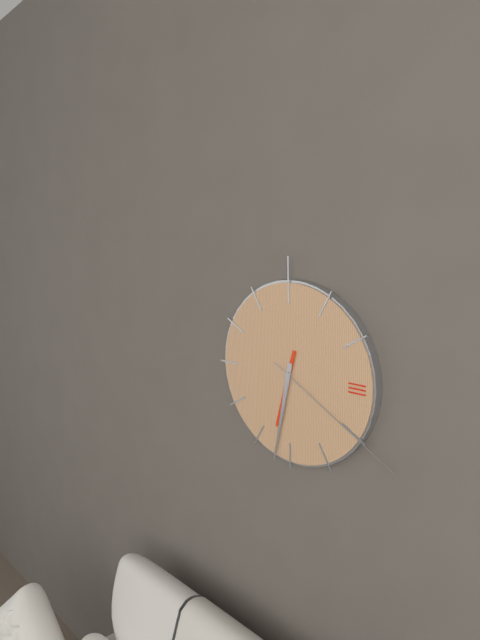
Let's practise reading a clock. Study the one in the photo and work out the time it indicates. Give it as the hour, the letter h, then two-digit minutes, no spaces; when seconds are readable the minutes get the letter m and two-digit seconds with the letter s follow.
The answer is 6h32m20s
